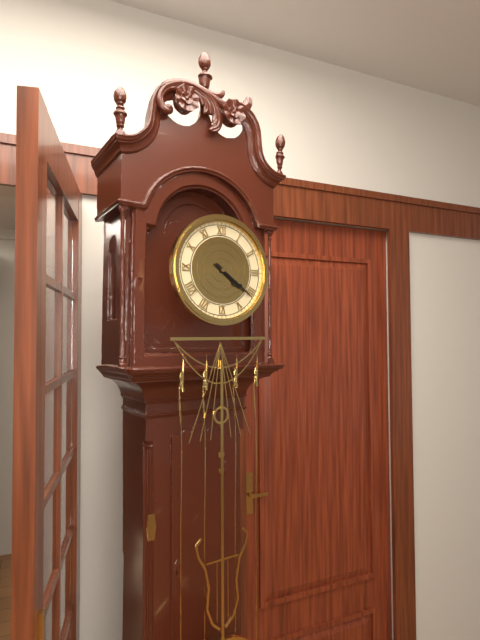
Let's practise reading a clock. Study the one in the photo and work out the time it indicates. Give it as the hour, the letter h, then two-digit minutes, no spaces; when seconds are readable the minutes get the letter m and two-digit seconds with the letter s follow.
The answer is 4h21
